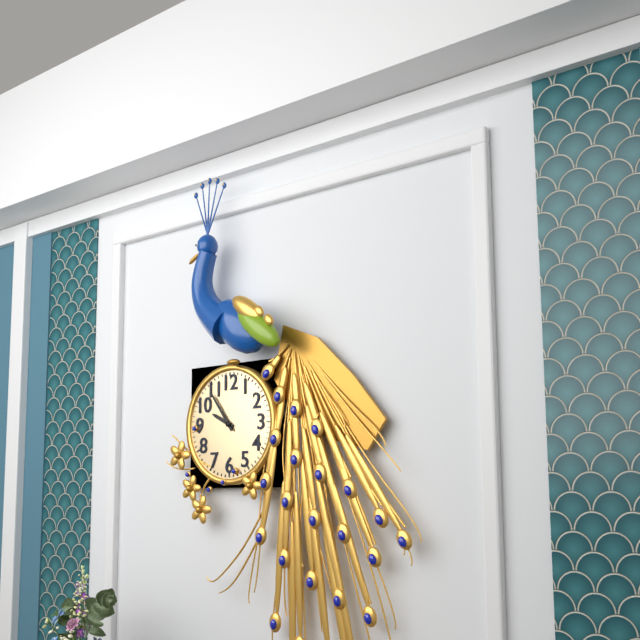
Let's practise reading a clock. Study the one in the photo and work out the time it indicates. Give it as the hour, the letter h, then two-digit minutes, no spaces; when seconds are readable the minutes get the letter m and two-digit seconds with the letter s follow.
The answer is 9h54
